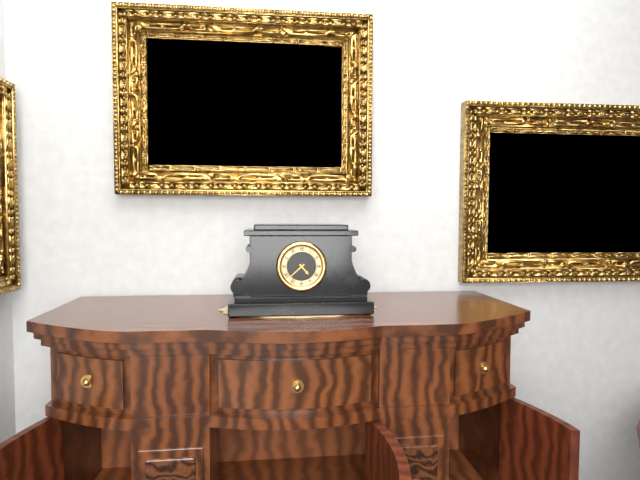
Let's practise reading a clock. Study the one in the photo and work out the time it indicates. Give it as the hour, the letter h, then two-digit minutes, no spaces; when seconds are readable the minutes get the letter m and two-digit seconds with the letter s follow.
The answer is 4h38
